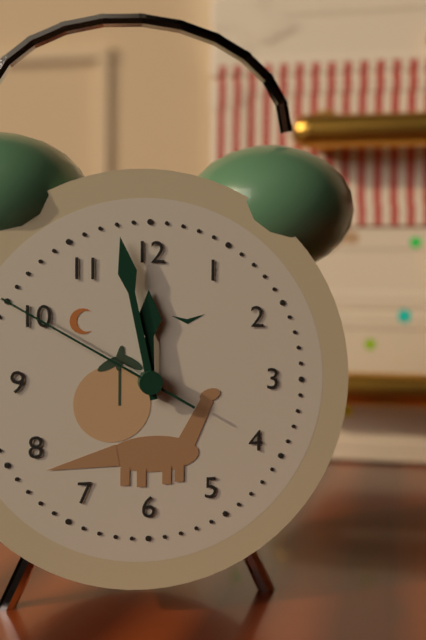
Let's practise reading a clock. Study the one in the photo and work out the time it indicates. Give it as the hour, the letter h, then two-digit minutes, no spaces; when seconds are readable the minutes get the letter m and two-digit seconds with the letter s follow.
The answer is 11h58m50s
